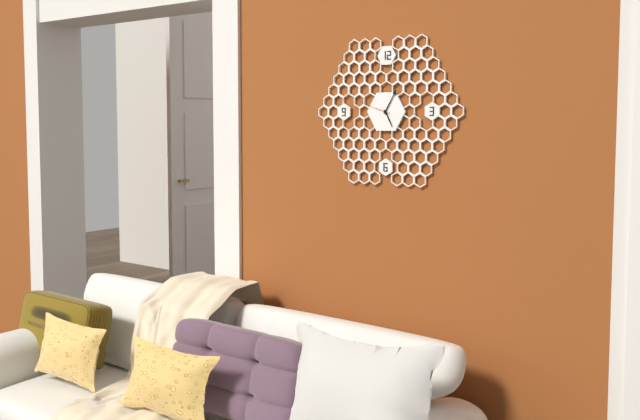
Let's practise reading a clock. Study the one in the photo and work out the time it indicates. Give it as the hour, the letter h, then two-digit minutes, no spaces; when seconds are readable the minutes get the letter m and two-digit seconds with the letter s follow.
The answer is 5h05
